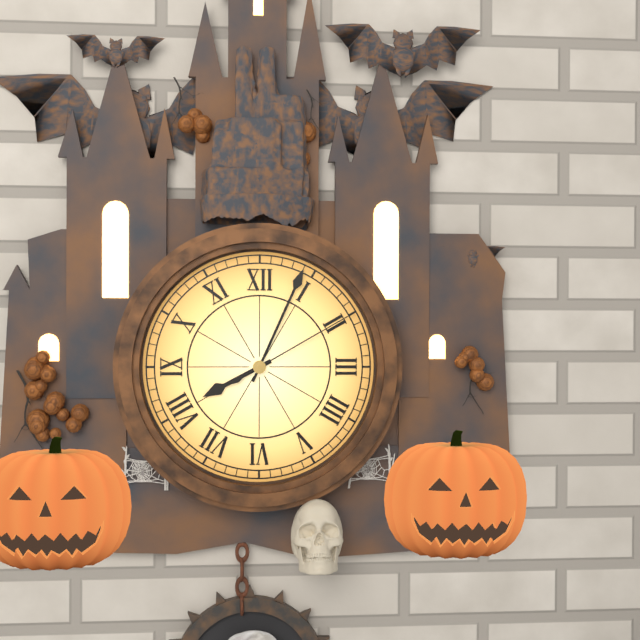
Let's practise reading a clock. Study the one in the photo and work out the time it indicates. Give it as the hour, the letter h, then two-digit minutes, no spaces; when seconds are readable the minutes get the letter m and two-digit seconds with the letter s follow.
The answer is 8h04m10s
